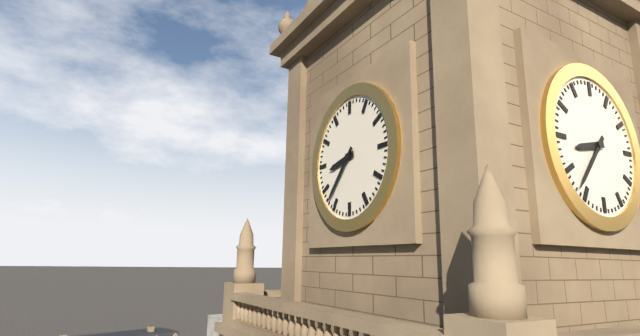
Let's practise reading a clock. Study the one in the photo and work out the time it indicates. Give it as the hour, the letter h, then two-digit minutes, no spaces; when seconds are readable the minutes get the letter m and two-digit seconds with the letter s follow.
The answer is 8h37
